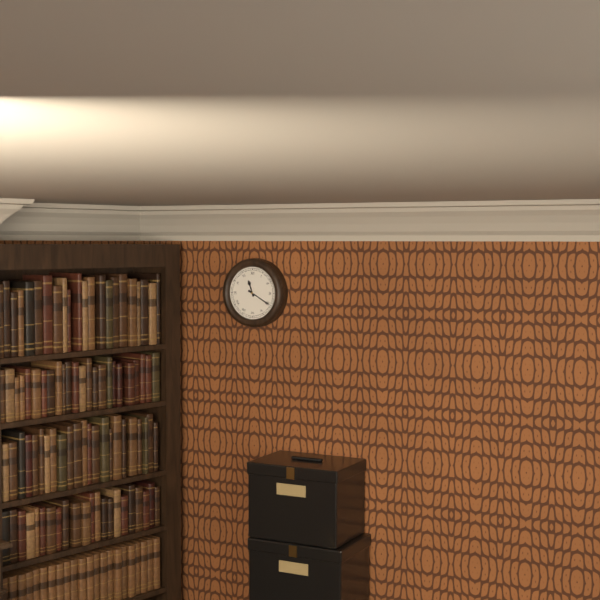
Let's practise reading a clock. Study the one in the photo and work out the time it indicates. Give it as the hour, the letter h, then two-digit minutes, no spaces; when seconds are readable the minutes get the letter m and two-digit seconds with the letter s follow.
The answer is 11h20
